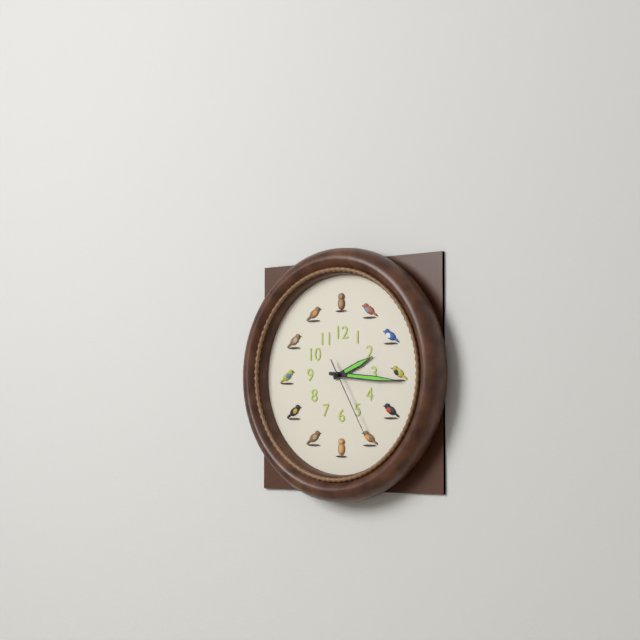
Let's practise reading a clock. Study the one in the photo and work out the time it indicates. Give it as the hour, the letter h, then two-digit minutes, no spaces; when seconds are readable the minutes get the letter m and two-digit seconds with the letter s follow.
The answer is 2h16m25s
